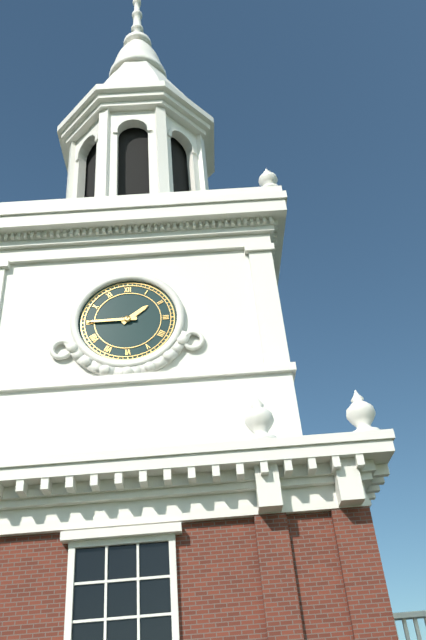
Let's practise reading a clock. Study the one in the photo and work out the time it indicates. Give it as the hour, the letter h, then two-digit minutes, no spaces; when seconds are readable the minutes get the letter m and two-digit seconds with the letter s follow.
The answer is 1h45
